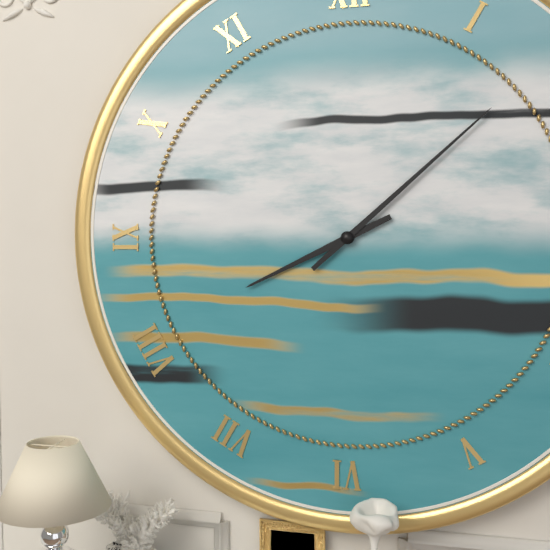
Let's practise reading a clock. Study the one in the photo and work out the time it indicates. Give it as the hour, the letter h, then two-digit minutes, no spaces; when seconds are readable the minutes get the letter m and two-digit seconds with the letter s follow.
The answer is 8h08
